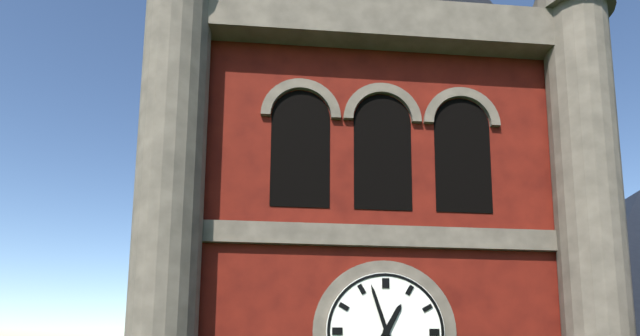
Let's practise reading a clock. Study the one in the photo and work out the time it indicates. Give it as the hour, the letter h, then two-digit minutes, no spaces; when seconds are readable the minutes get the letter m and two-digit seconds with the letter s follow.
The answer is 12h57
